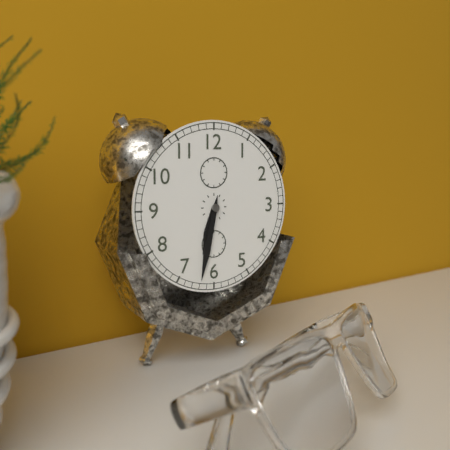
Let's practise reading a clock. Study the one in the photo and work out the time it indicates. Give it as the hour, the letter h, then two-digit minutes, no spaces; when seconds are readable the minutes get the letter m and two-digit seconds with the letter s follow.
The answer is 6h32
